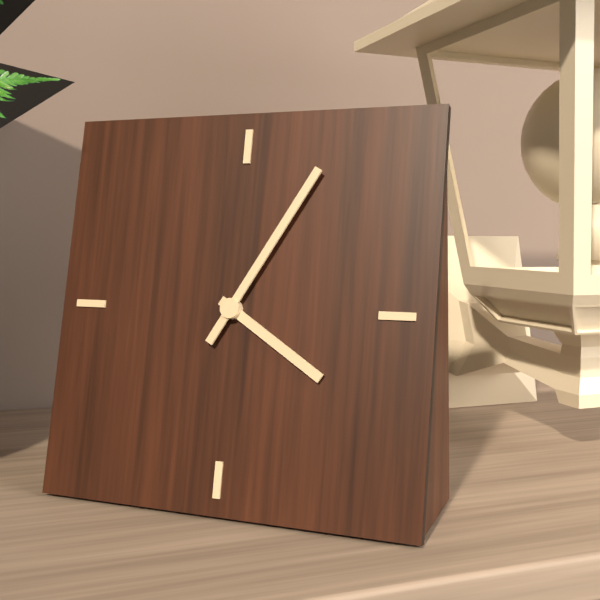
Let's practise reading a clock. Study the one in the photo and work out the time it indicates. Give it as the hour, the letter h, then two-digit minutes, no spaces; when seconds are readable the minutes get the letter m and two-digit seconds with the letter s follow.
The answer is 4h05
